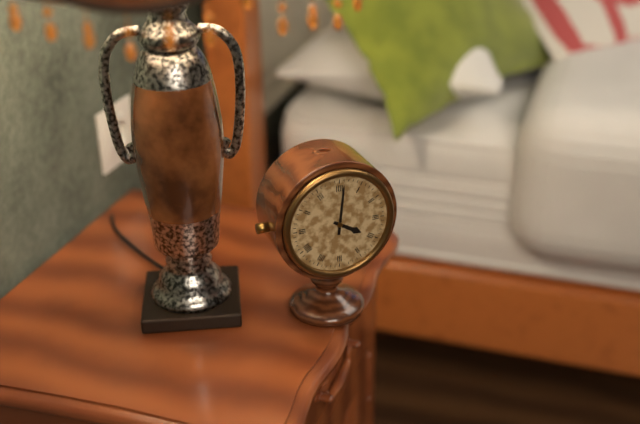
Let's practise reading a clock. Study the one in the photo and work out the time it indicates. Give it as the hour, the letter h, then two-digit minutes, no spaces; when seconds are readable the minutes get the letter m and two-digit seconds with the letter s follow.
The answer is 4h01
